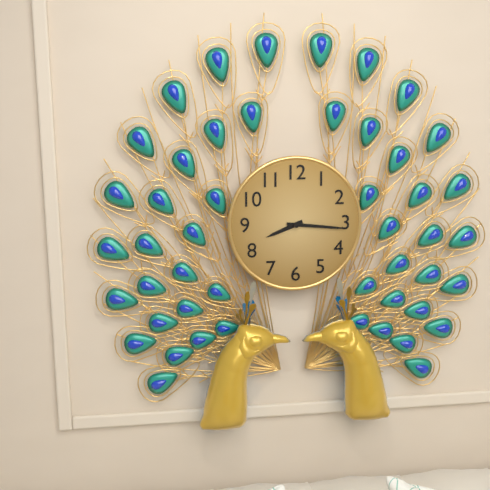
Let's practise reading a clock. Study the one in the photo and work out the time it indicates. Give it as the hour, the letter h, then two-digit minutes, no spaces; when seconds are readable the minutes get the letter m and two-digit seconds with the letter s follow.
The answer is 8h16
